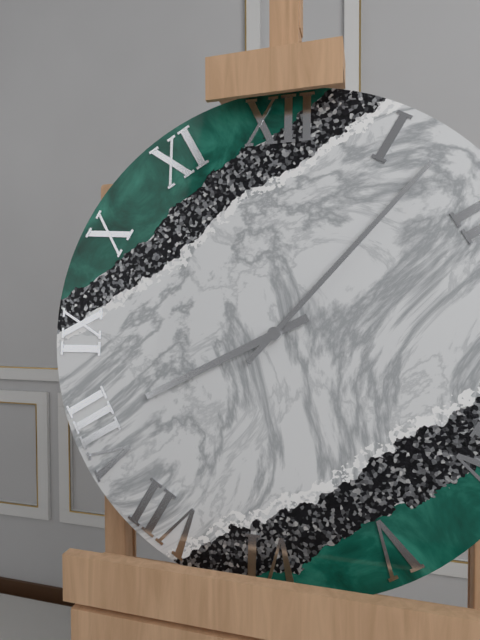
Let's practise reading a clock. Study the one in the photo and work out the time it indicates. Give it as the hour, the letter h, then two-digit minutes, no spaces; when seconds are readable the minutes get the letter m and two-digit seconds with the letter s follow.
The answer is 8h07
